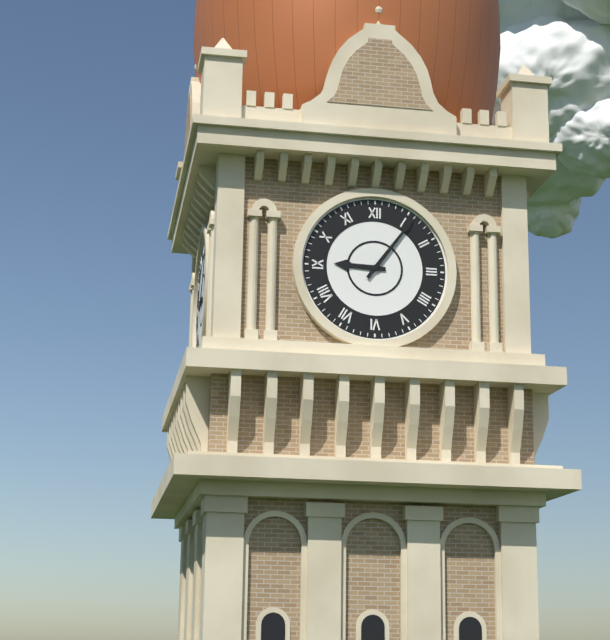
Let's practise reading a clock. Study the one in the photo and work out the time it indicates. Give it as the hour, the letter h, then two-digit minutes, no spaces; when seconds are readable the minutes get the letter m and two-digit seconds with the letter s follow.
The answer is 9h06
